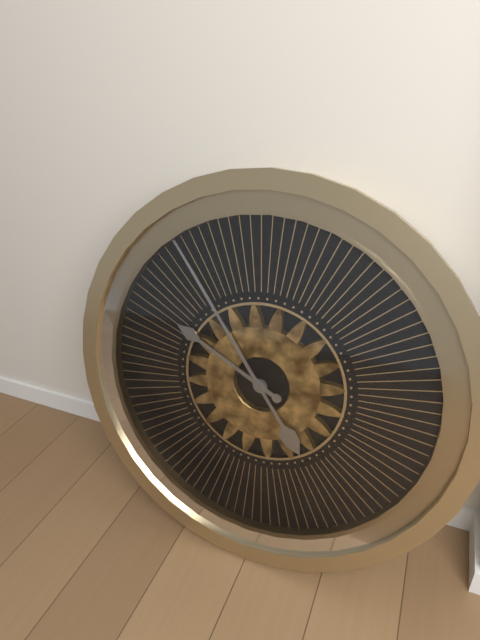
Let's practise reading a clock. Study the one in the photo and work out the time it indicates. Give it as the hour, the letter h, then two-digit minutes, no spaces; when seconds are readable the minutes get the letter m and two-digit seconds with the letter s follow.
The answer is 9h54
